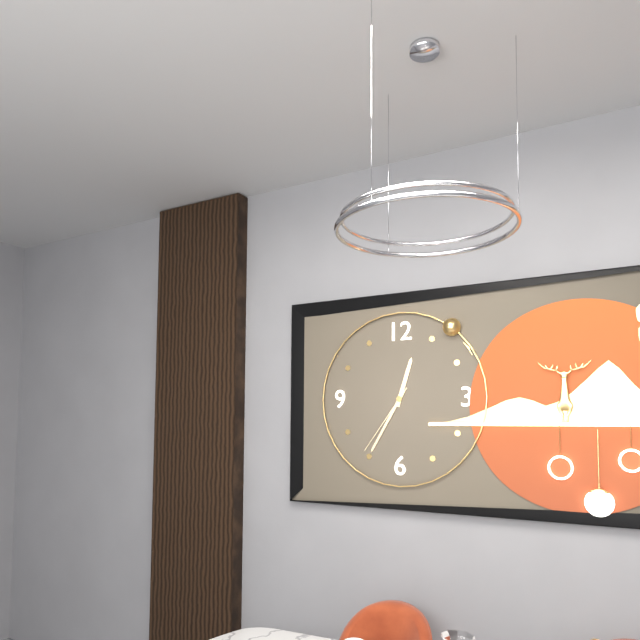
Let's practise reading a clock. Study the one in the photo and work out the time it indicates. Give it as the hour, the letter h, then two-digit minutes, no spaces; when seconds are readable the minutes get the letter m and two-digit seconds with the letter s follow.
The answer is 12h35m36s
